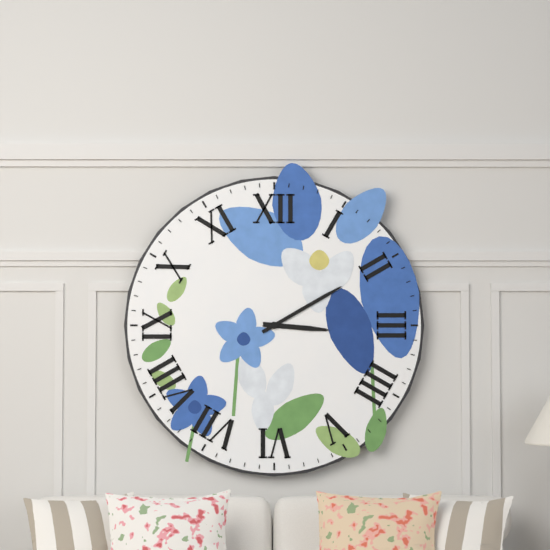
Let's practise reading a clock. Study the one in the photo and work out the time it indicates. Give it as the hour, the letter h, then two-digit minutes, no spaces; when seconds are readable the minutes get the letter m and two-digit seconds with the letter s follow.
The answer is 3h10
